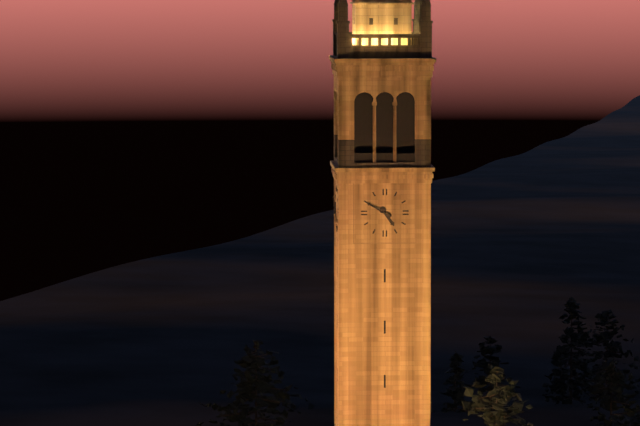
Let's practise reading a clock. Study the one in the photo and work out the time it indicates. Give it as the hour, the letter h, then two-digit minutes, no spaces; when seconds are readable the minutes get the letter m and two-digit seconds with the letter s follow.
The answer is 4h50
